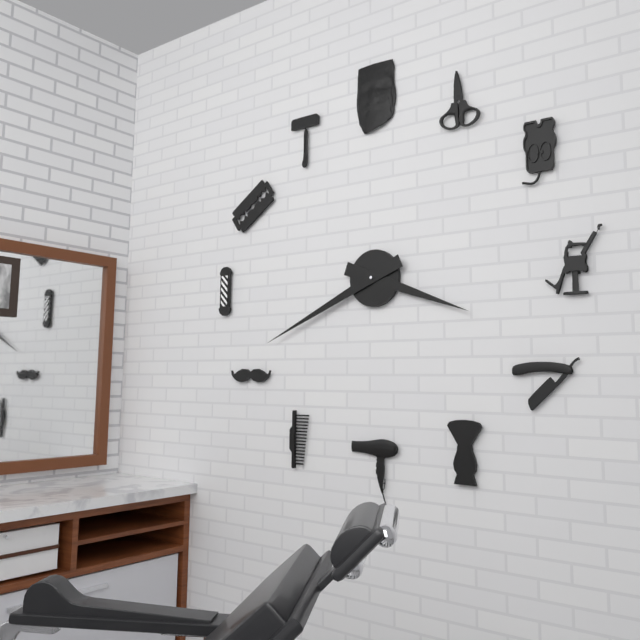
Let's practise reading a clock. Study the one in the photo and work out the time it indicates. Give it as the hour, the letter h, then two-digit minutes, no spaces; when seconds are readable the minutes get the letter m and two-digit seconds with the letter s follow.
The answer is 3h41
